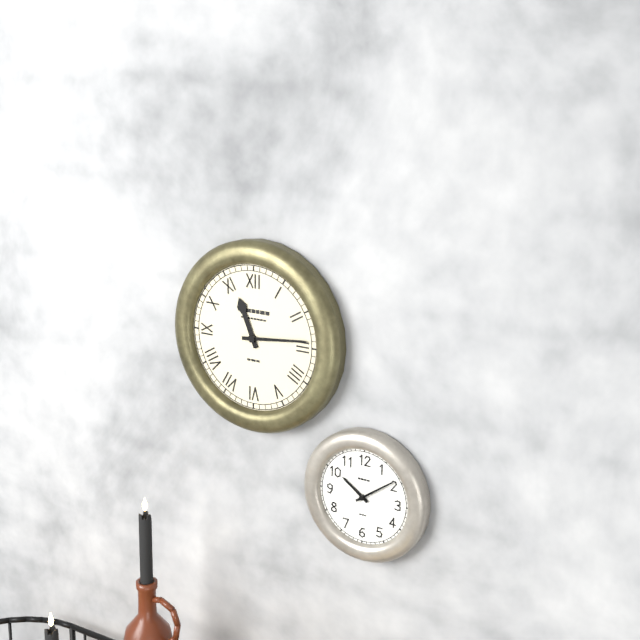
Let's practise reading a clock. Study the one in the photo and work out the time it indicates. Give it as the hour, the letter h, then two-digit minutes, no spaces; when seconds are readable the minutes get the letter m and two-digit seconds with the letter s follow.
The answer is 11h14
